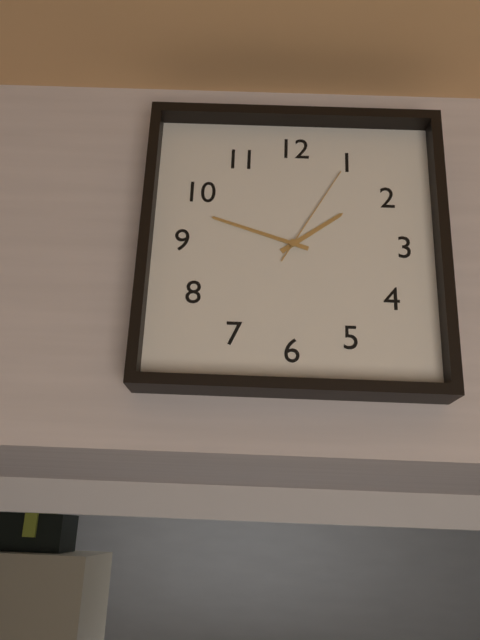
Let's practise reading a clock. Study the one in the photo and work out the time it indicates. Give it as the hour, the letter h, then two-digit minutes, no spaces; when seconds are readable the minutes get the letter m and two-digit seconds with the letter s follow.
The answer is 1h48m05s
